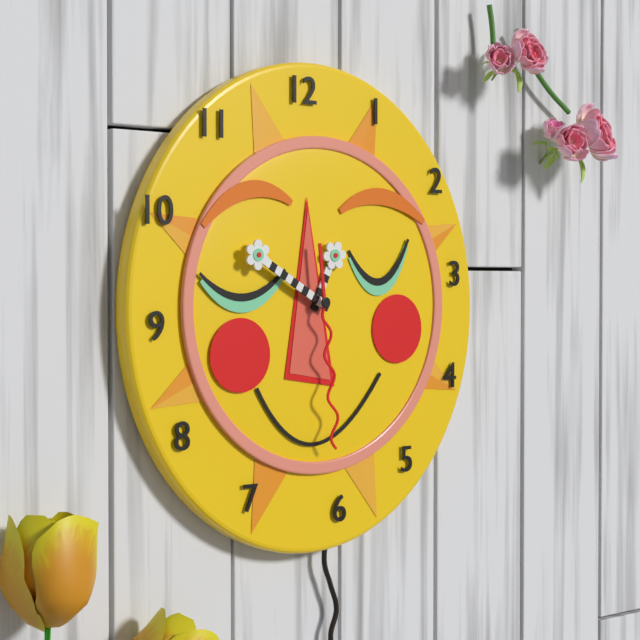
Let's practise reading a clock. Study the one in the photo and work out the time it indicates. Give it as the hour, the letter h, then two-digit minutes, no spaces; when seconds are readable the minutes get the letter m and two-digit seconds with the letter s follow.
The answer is 12h50m29s
